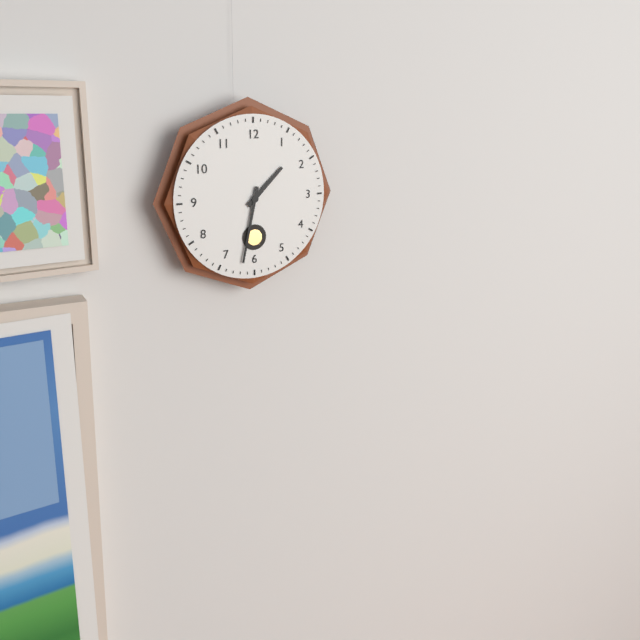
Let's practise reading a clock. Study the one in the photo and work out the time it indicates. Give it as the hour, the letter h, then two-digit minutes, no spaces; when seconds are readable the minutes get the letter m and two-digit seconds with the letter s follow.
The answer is 1h32
